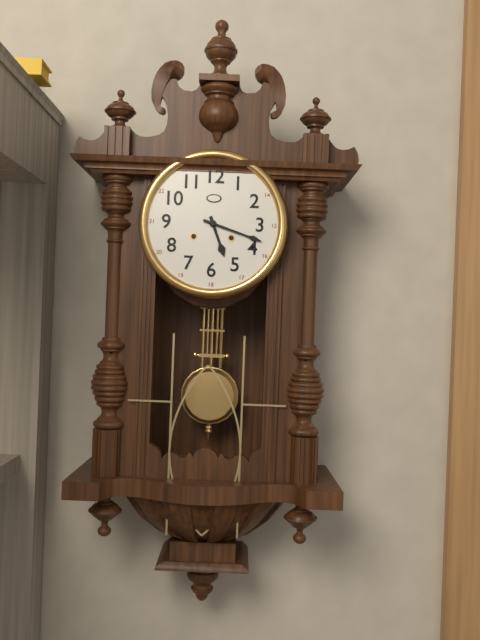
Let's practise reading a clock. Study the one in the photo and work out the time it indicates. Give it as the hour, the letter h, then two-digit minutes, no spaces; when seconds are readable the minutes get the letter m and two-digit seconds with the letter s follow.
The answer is 5h18
